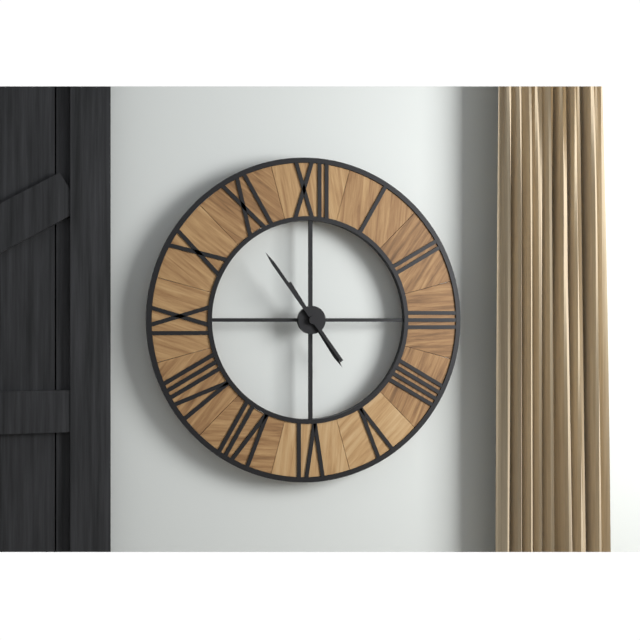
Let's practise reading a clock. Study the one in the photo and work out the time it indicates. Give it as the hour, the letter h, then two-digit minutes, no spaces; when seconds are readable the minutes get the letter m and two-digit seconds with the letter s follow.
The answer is 4h54
